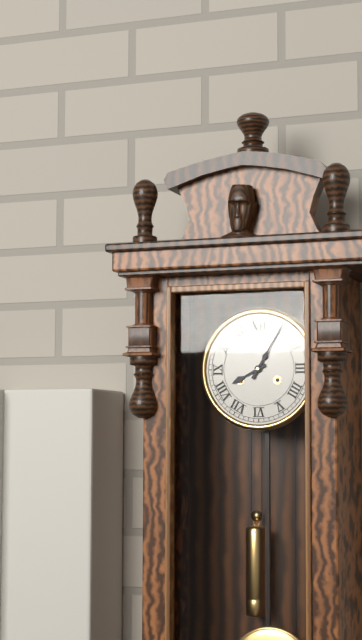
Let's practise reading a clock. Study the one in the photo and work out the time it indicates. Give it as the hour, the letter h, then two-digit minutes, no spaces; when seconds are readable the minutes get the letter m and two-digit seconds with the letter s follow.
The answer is 8h05
